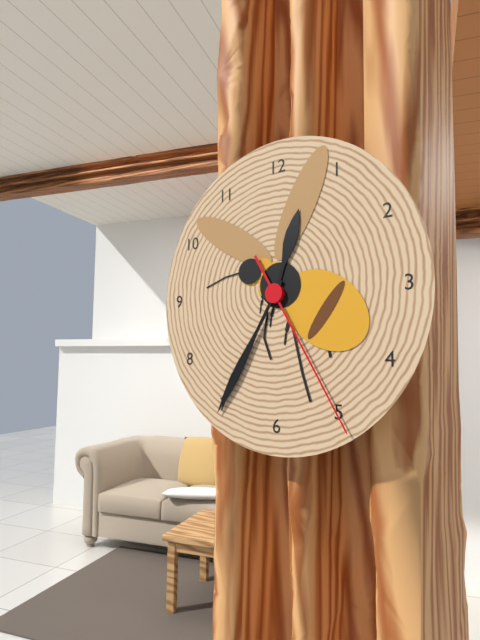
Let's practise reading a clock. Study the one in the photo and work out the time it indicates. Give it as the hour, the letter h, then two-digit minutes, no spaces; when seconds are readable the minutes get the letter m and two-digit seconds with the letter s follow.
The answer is 12h35m25s
